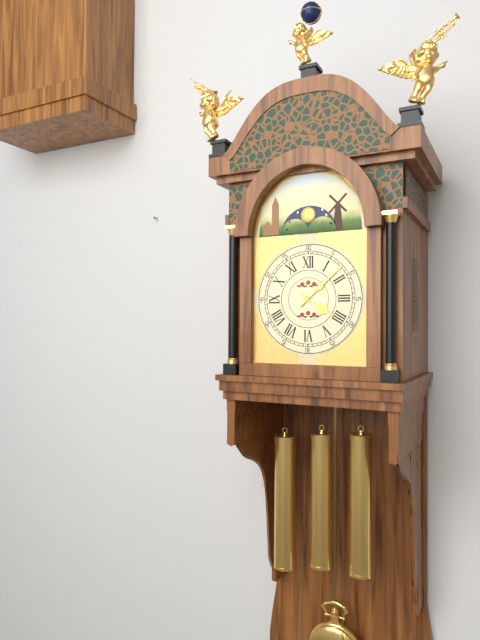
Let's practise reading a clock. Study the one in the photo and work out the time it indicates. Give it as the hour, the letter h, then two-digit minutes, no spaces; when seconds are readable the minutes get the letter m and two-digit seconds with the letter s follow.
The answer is 4h08
